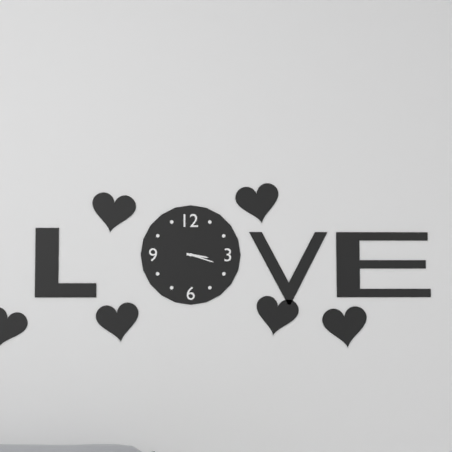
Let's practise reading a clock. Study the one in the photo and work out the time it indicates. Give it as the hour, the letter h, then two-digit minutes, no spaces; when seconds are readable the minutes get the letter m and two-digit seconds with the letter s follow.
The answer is 3h18
